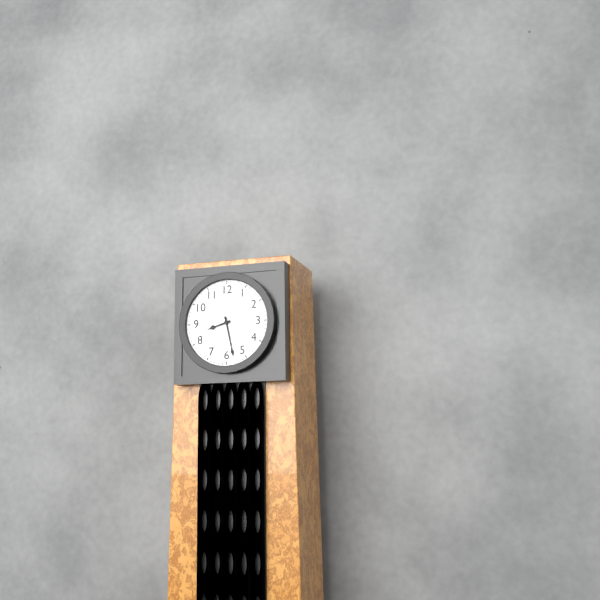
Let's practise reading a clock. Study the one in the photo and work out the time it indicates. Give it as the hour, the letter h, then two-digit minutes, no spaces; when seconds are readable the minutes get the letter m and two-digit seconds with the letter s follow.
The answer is 8h28
